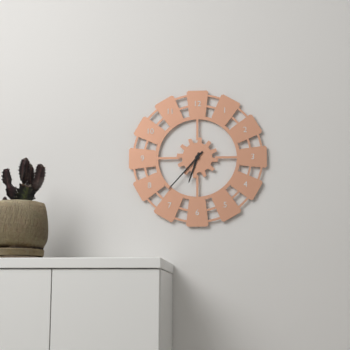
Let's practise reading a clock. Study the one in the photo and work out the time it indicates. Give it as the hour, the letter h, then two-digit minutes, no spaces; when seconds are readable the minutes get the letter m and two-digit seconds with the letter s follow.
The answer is 6h37
